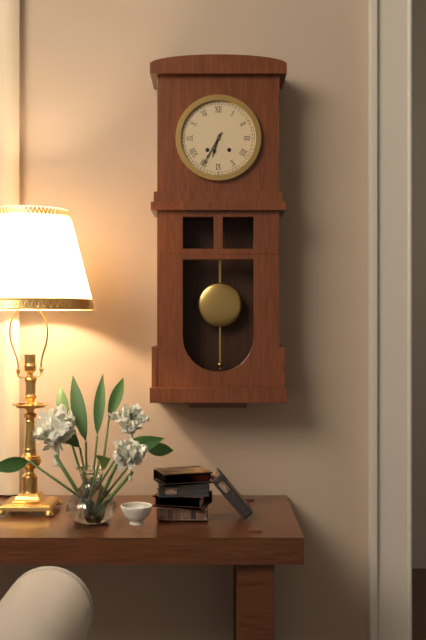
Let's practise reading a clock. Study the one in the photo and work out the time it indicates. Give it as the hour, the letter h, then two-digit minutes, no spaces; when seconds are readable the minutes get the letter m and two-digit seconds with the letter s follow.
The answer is 6h35
